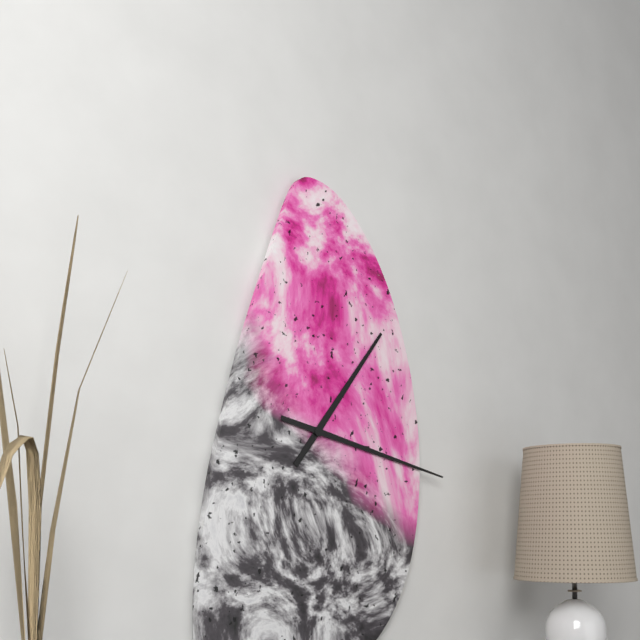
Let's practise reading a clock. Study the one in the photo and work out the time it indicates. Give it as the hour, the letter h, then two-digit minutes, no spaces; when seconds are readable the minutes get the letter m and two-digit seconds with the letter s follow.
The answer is 1h17
